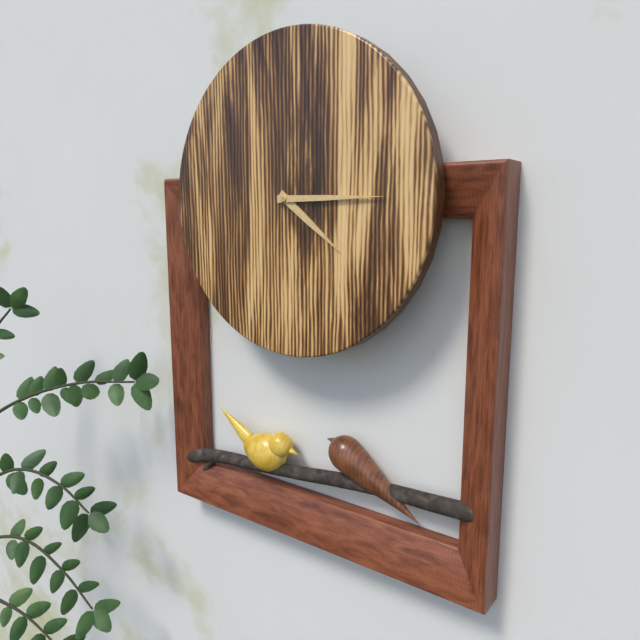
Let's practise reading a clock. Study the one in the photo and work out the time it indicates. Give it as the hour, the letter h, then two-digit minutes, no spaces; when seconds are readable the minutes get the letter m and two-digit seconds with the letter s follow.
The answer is 4h15
